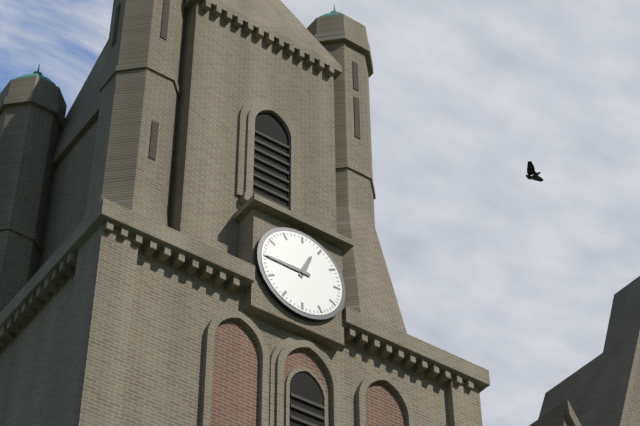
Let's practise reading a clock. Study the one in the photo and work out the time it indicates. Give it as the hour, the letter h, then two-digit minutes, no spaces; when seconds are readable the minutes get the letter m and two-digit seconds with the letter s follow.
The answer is 12h45
